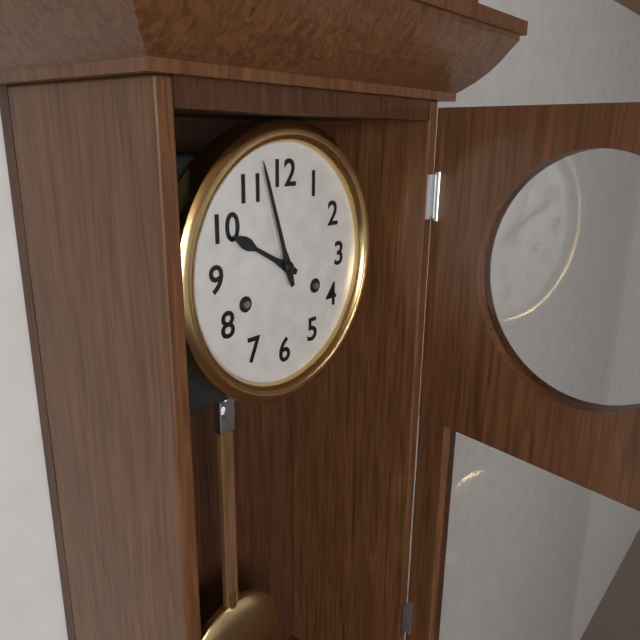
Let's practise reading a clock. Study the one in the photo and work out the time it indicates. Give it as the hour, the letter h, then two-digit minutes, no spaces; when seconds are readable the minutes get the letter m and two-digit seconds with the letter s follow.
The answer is 9h57
